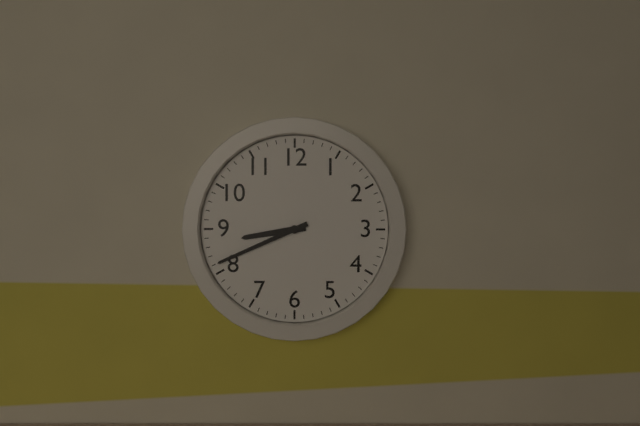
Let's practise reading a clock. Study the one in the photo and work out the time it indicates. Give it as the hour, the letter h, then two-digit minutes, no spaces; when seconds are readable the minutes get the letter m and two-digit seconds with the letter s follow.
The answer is 8h41
